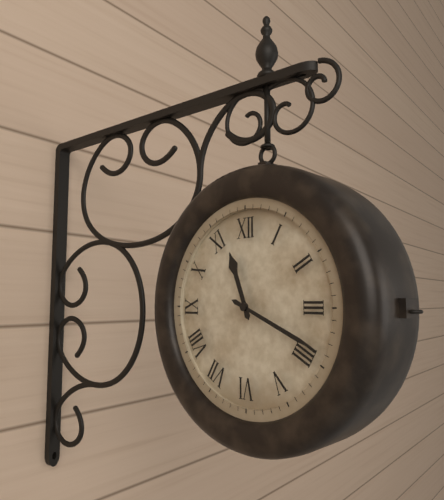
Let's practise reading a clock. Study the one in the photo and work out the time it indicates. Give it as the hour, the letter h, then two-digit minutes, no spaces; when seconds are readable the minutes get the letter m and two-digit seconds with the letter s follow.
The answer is 11h19
